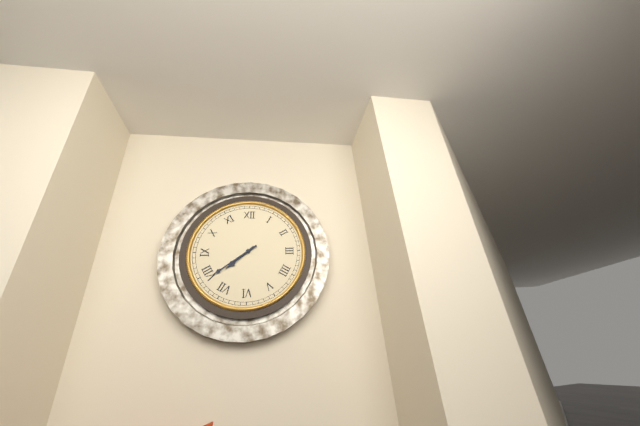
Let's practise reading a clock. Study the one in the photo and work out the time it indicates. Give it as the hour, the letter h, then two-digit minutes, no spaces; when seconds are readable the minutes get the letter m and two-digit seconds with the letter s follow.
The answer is 7h39
